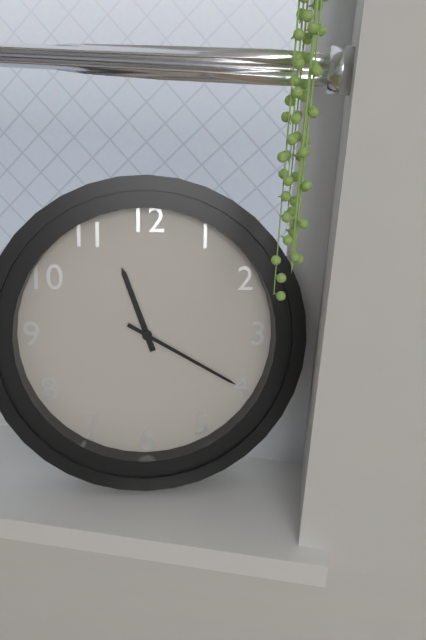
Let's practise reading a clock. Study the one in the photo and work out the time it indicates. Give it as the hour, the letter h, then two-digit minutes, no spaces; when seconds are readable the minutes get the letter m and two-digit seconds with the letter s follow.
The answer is 11h20
